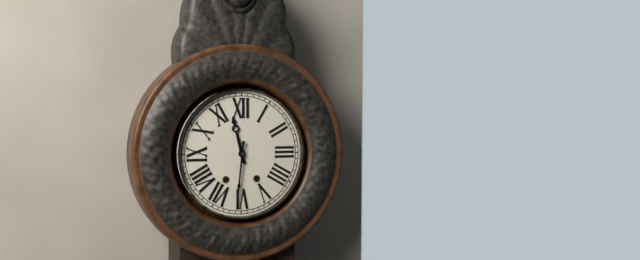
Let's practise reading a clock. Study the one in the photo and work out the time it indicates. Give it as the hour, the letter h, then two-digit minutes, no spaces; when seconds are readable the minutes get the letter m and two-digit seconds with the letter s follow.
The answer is 11h31
